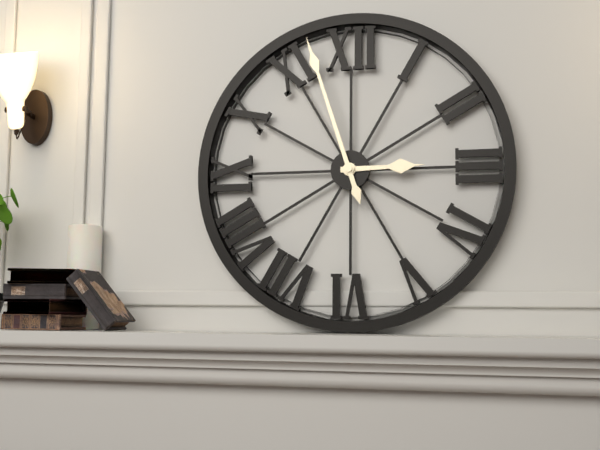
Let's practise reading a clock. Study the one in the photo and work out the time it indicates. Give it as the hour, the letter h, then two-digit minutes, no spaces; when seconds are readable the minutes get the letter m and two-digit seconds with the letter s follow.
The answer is 2h57
